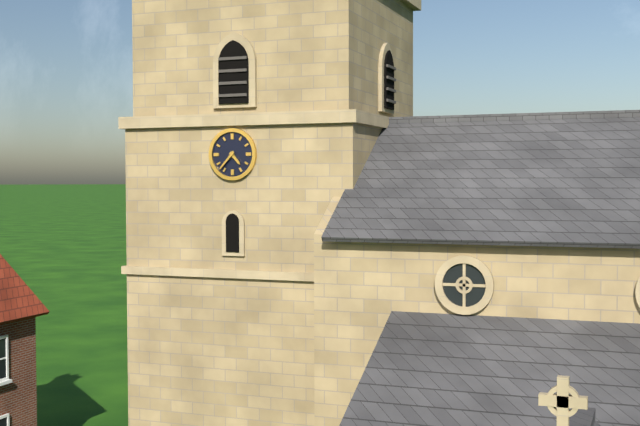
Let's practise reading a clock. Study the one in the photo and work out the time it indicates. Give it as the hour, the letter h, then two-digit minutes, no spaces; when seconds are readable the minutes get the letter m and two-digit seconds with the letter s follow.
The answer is 4h37
